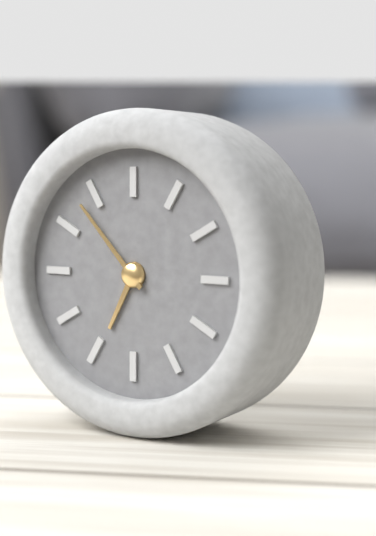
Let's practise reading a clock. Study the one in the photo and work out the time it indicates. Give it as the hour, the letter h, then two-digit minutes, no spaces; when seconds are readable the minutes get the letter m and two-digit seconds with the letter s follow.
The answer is 6h53
